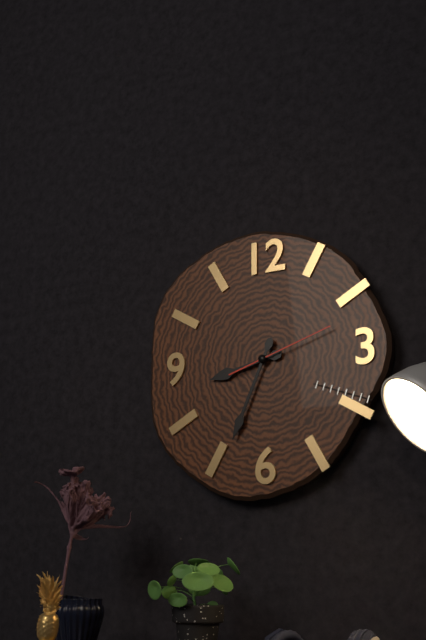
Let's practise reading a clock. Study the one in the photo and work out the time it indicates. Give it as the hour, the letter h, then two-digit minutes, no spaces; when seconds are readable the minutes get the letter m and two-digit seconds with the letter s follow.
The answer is 8h34m12s
